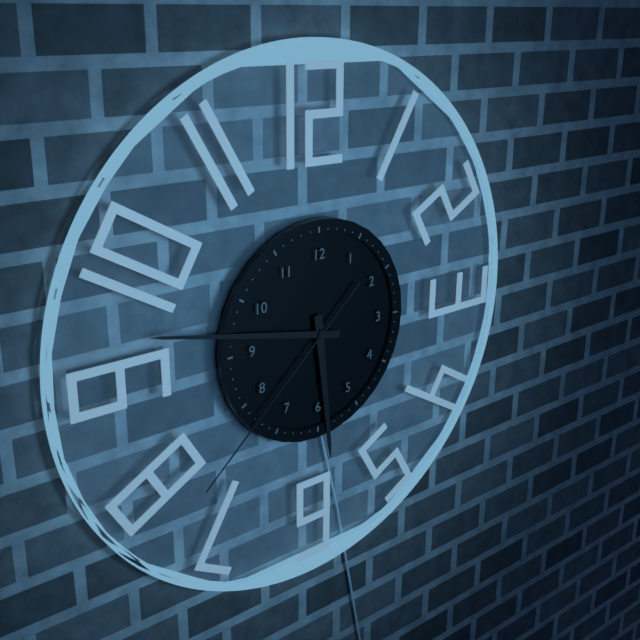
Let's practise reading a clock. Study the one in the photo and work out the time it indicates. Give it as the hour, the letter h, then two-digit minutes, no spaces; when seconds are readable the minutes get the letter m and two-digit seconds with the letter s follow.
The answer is 5h47m38s
